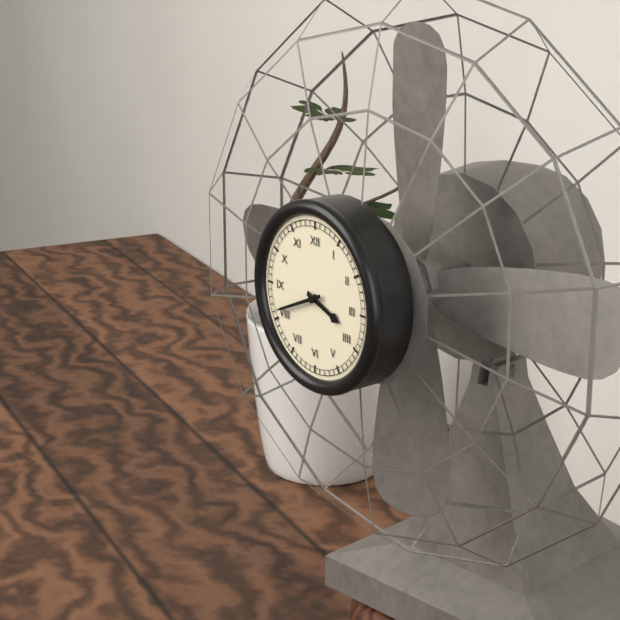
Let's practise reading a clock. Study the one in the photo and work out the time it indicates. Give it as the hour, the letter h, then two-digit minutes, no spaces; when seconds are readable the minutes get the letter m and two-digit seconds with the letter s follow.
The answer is 3h41
